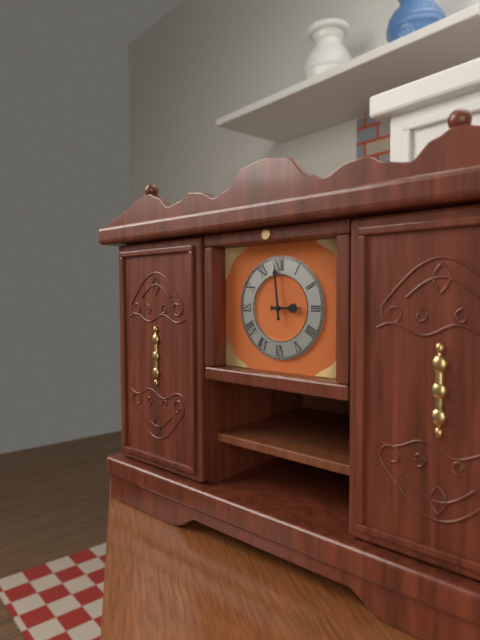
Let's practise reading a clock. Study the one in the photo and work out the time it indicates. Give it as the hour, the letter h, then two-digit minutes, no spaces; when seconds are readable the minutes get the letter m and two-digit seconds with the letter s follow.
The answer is 2h59
